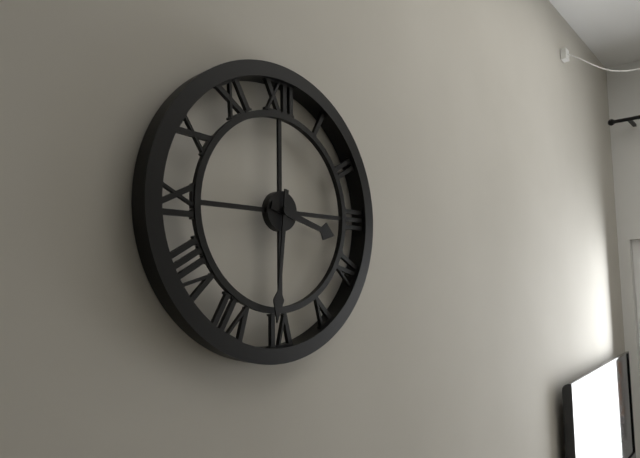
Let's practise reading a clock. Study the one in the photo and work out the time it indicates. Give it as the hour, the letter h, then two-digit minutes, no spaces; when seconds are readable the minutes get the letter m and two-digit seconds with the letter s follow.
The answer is 3h31
